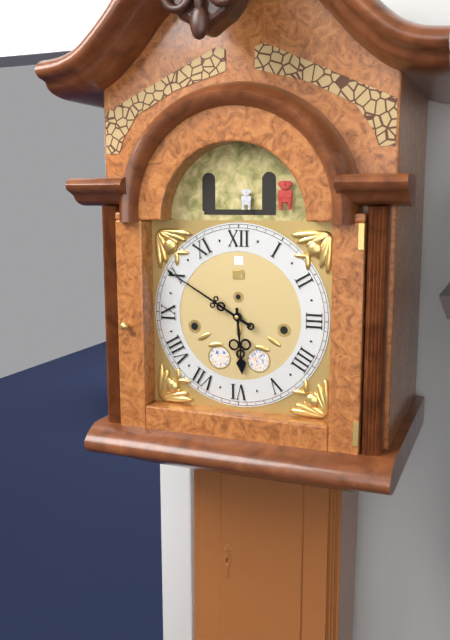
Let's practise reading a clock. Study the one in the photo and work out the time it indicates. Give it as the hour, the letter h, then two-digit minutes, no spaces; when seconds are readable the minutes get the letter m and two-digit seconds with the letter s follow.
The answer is 5h50
